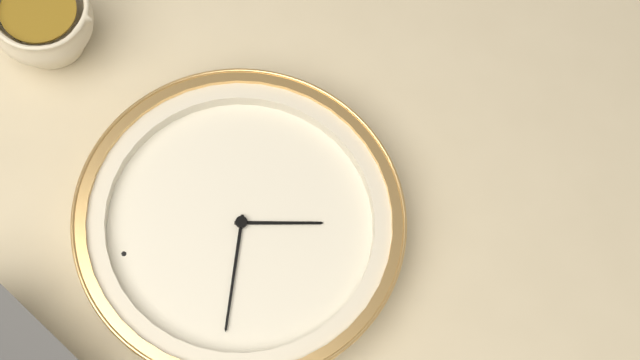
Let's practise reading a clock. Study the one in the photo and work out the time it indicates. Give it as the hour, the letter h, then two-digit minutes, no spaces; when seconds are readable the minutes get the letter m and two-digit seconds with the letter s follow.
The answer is 5h45
